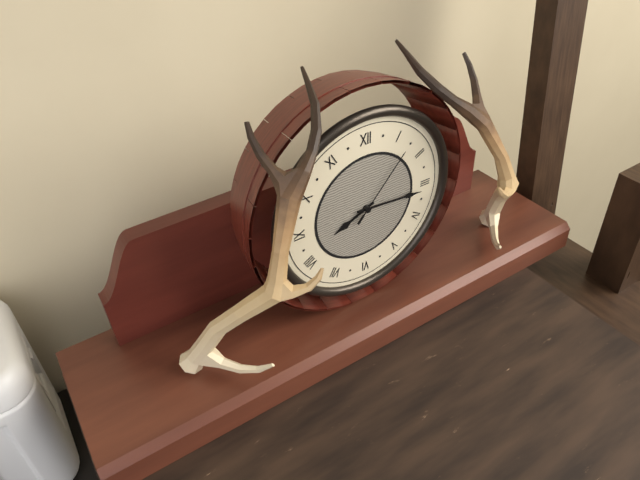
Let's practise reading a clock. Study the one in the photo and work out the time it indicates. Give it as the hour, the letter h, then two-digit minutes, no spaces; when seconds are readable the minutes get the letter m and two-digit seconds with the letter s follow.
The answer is 8h16m07s
